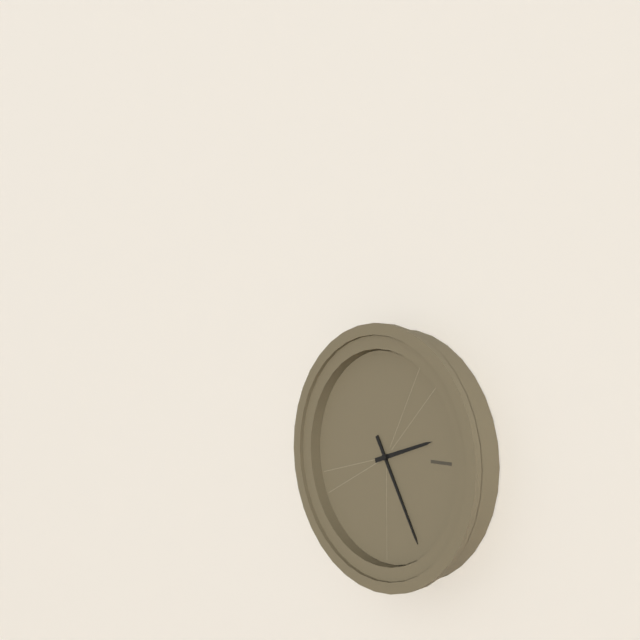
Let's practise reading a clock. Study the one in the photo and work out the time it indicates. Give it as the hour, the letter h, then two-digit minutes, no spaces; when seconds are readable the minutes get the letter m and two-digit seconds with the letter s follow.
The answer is 2h25
